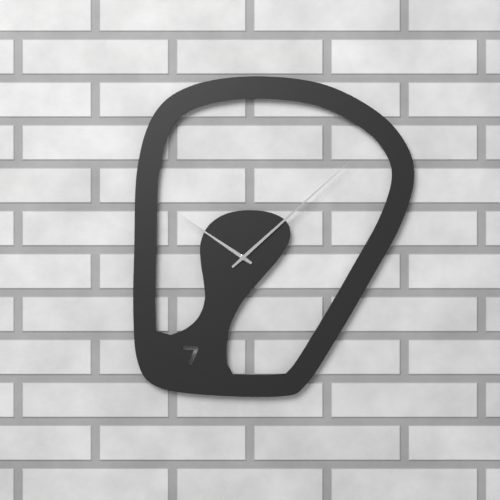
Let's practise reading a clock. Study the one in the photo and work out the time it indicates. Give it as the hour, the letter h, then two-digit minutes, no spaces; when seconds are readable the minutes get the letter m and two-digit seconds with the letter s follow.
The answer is 10h08
